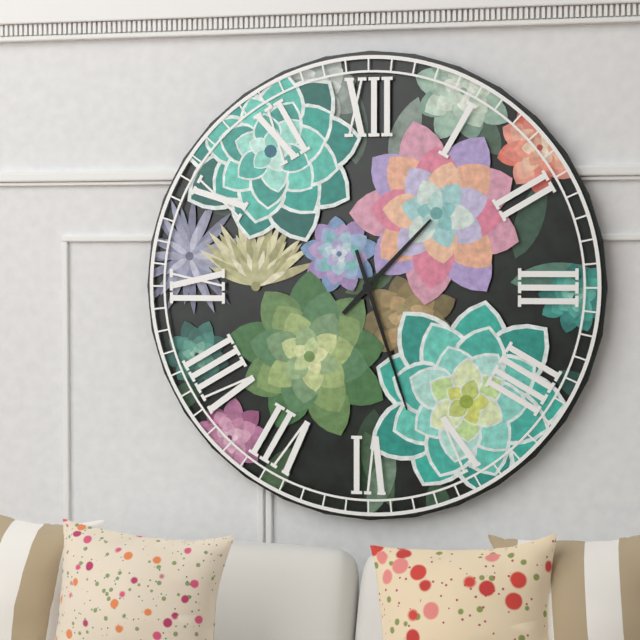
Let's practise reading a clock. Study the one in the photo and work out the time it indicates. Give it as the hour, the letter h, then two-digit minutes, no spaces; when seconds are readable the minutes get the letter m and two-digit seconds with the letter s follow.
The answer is 1h27
